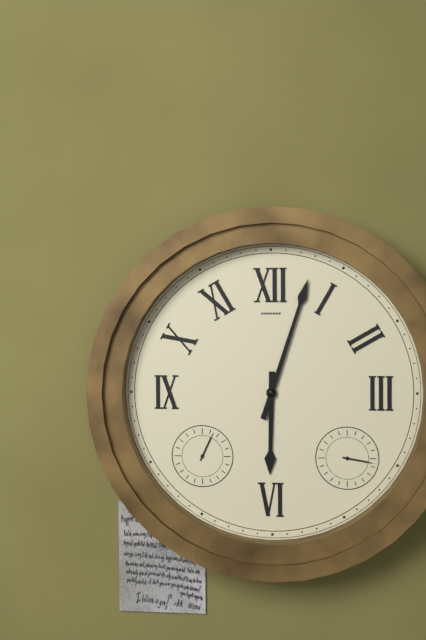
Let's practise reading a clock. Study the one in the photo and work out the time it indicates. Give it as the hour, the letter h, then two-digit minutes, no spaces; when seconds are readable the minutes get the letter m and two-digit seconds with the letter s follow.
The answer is 6h03
